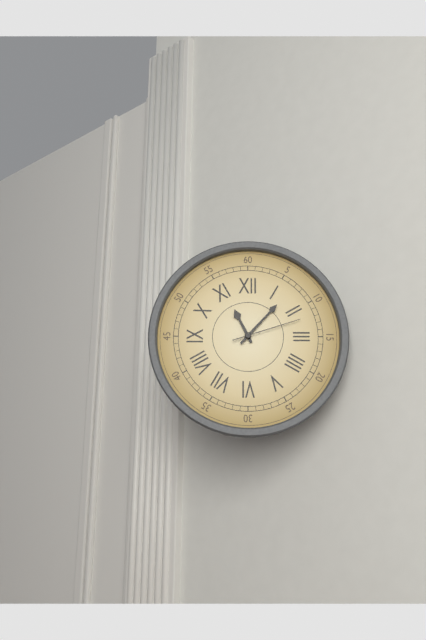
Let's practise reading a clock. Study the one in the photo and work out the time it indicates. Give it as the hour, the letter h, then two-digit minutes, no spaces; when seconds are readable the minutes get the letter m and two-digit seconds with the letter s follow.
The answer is 11h07m12s
